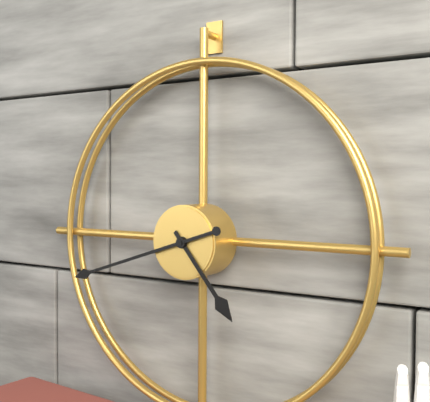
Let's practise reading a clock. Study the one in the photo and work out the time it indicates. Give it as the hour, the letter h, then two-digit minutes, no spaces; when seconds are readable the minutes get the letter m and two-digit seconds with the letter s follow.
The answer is 4h42
